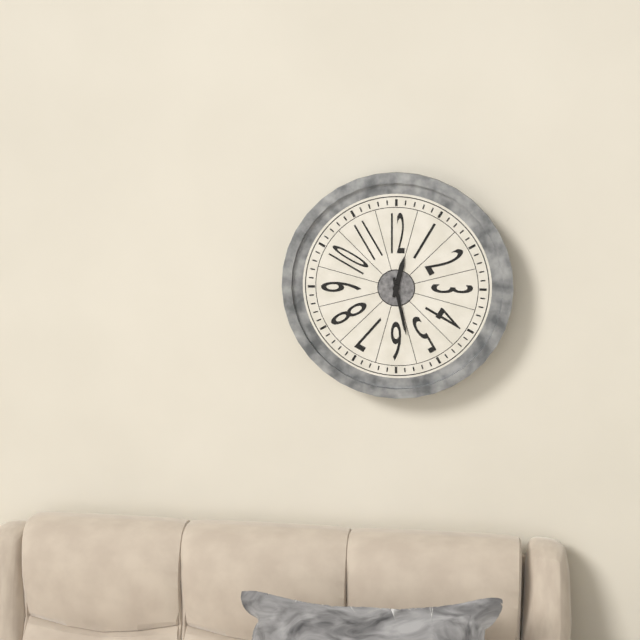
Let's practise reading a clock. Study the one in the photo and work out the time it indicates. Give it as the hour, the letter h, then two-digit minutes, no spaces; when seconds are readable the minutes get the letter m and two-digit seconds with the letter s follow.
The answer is 12h28
